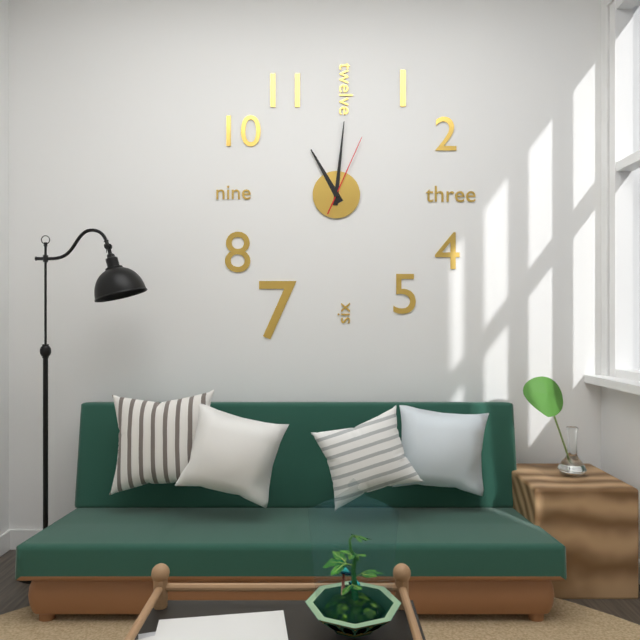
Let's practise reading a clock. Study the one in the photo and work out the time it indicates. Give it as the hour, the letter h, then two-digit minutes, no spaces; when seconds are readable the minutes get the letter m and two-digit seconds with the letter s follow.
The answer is 11h01m04s
